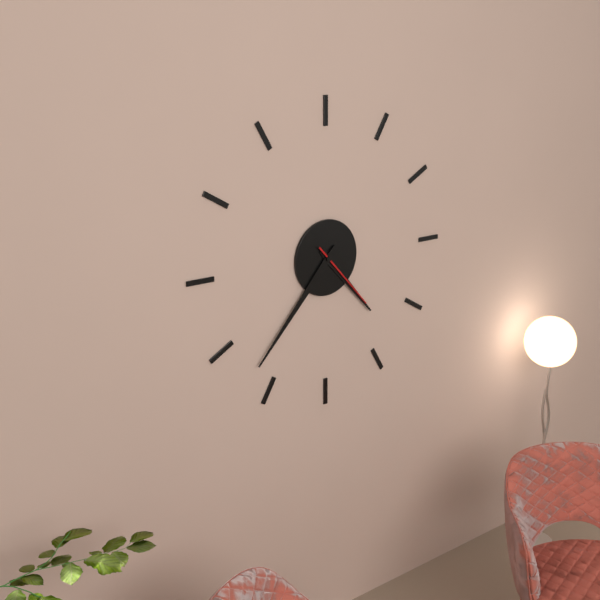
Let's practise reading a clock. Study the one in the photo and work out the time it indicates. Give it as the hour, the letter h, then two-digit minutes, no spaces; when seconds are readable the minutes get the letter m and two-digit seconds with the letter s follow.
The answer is 4h37m23s
